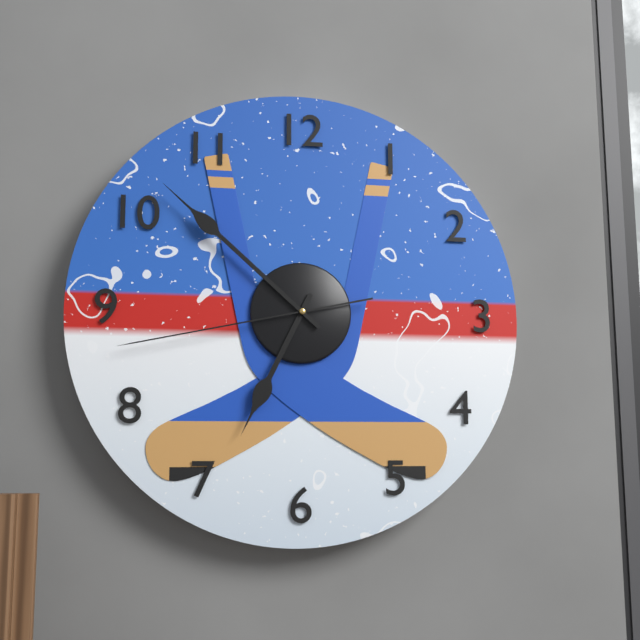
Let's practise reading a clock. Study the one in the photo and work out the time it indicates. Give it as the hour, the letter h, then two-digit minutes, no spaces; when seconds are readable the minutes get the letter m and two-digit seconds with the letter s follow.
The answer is 6h52m43s
